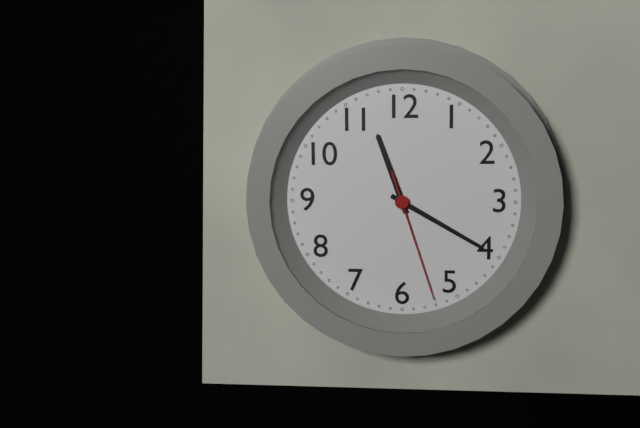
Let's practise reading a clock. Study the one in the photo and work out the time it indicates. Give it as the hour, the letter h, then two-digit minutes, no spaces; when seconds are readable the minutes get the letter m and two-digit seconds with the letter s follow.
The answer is 11h20m27s
